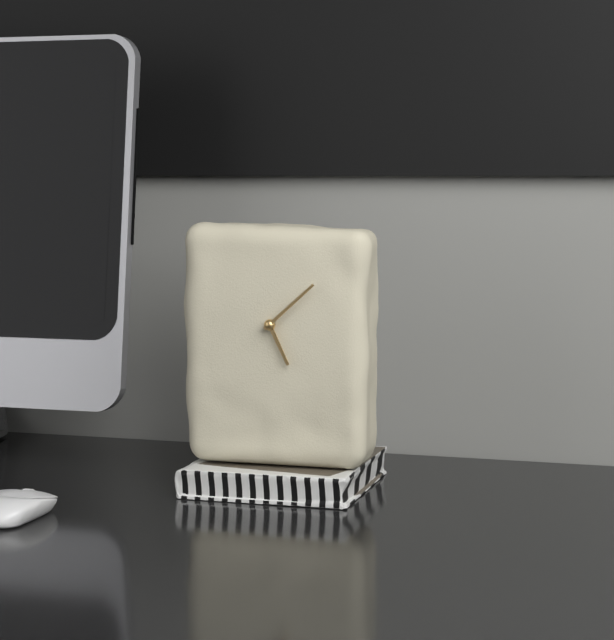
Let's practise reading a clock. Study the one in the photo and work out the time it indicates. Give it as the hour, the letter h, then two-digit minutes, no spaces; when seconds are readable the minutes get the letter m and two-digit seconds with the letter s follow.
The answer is 5h08
